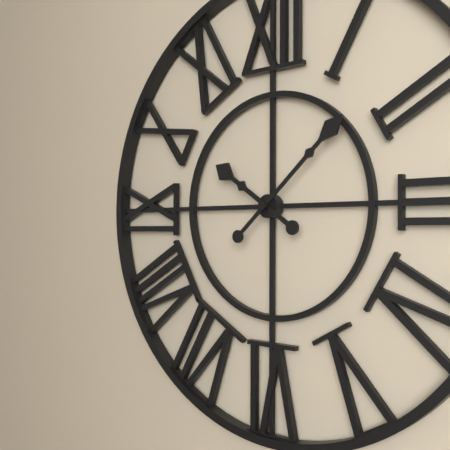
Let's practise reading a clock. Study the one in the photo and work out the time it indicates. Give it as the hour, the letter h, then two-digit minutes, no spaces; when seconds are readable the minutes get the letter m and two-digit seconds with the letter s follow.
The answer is 10h08
